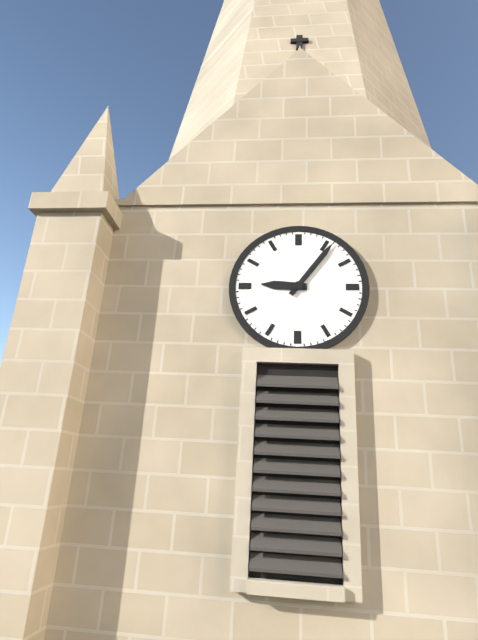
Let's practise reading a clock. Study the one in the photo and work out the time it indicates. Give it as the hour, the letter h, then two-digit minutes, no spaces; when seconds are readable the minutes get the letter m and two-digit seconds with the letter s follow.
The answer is 9h06
